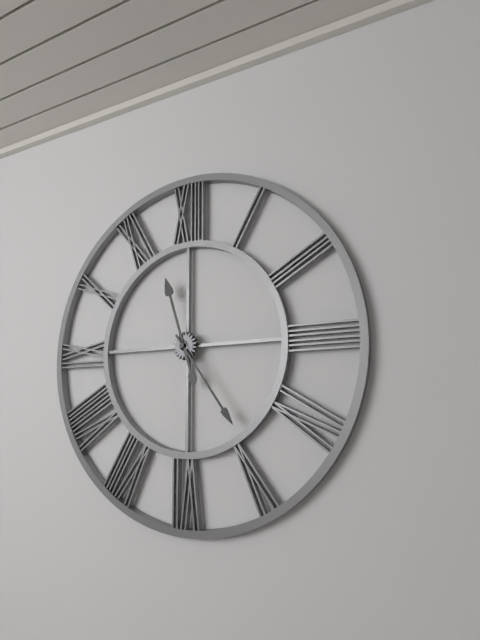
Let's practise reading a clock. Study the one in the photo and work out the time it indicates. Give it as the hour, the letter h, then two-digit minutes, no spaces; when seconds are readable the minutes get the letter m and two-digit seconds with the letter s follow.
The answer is 11h24
